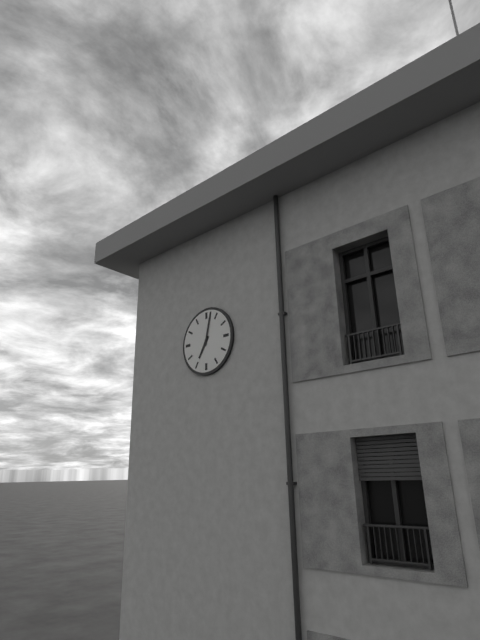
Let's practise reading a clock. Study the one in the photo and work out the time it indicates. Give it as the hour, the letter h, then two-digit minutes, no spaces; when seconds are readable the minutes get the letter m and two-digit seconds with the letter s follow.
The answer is 7h02
